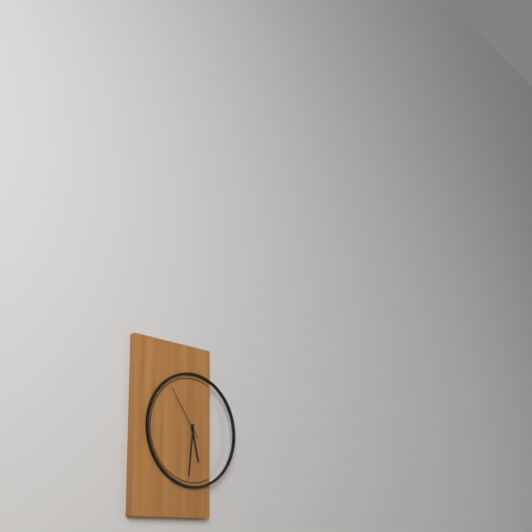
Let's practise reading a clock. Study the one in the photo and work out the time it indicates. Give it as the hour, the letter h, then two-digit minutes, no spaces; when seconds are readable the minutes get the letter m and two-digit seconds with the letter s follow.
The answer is 5h31m54s
